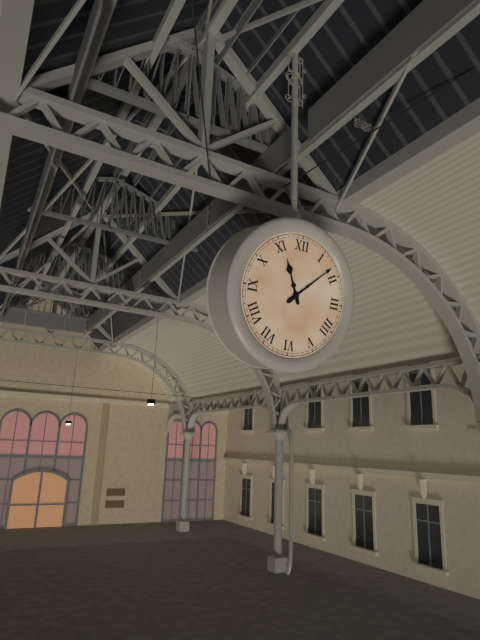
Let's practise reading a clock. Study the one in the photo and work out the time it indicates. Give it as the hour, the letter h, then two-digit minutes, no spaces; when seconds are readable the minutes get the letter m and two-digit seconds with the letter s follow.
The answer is 11h08
